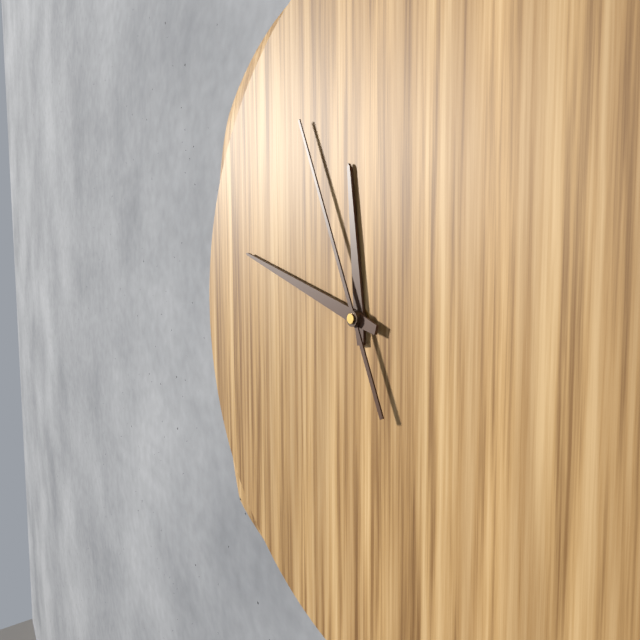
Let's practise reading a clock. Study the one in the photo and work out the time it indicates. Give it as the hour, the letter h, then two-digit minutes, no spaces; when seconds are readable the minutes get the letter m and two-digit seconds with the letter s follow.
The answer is 11h48m56s
